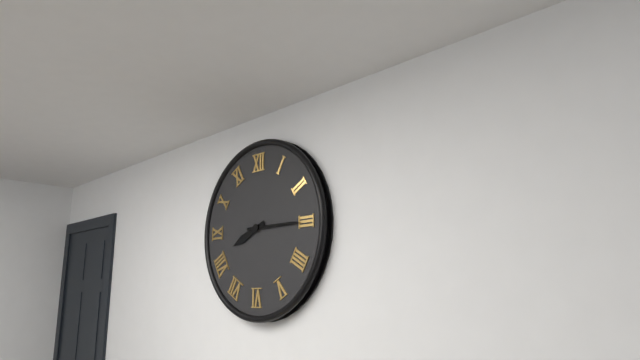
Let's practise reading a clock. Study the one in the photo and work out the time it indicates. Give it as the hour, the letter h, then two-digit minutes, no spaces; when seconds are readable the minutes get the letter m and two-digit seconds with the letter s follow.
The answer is 8h15
